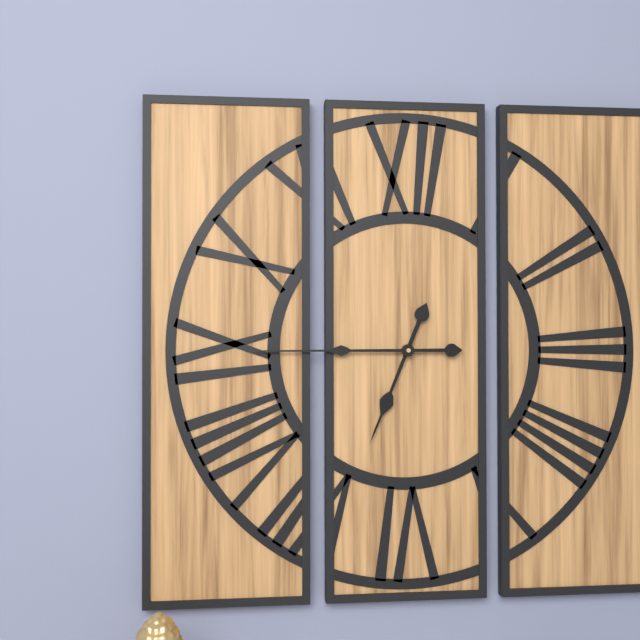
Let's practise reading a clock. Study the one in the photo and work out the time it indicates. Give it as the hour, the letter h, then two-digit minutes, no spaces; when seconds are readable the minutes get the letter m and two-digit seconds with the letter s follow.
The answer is 6h45
